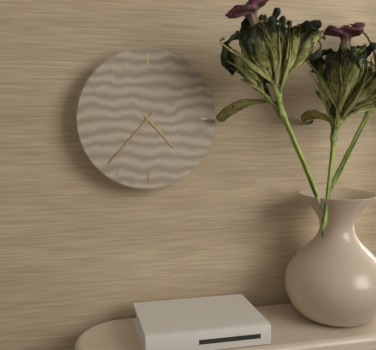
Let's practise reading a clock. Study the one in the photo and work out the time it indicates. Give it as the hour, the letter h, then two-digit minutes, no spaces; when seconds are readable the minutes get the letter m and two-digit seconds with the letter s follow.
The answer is 4h37
